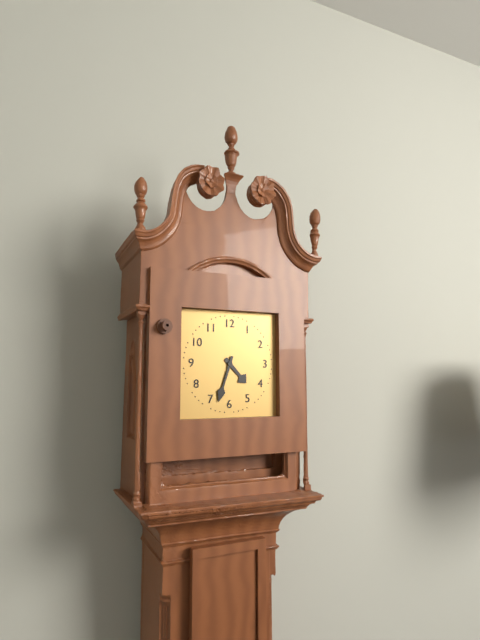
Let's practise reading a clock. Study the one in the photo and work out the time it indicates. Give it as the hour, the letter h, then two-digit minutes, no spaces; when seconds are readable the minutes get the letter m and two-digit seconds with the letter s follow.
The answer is 4h33
